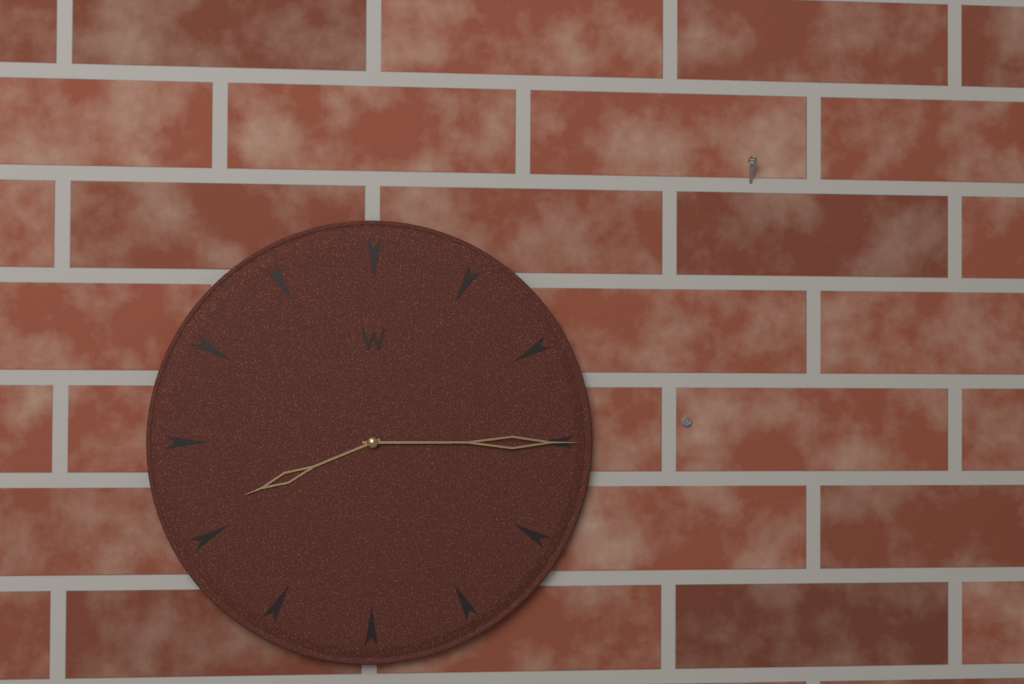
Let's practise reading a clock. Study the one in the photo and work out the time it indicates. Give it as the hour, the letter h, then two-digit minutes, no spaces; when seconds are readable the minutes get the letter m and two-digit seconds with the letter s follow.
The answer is 8h15
